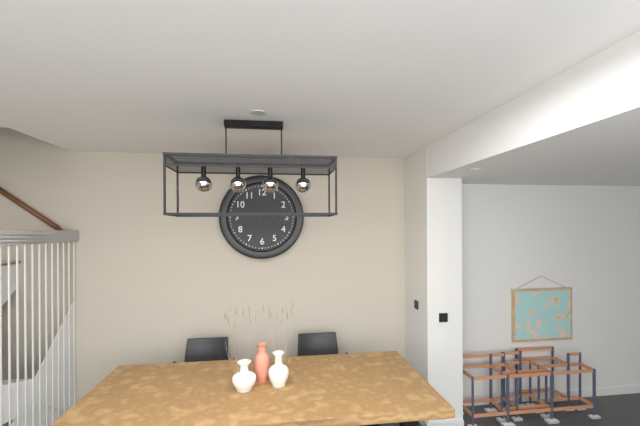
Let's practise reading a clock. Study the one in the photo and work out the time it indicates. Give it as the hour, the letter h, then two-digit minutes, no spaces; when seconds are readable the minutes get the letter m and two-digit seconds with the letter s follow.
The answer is 6h18
